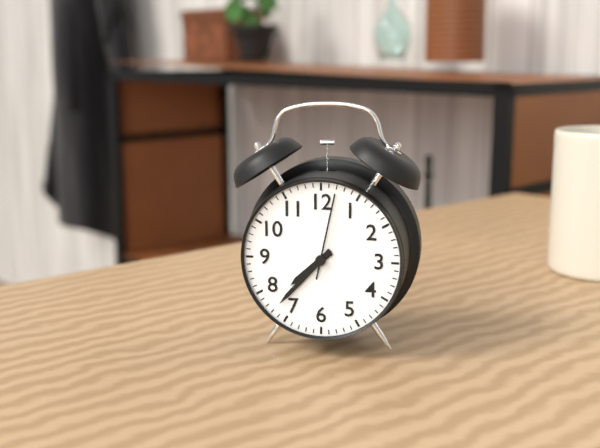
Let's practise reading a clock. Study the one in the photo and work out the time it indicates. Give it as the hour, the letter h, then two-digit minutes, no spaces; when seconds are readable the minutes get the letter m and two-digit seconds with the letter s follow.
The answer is 7h37m02s
